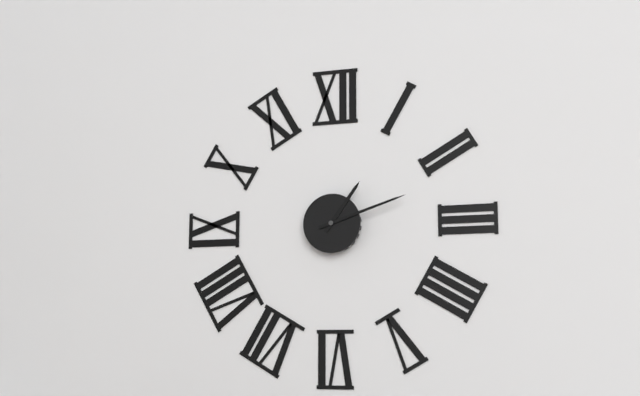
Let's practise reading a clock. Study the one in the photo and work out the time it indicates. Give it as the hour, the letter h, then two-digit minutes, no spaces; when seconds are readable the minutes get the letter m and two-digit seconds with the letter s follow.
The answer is 1h12
